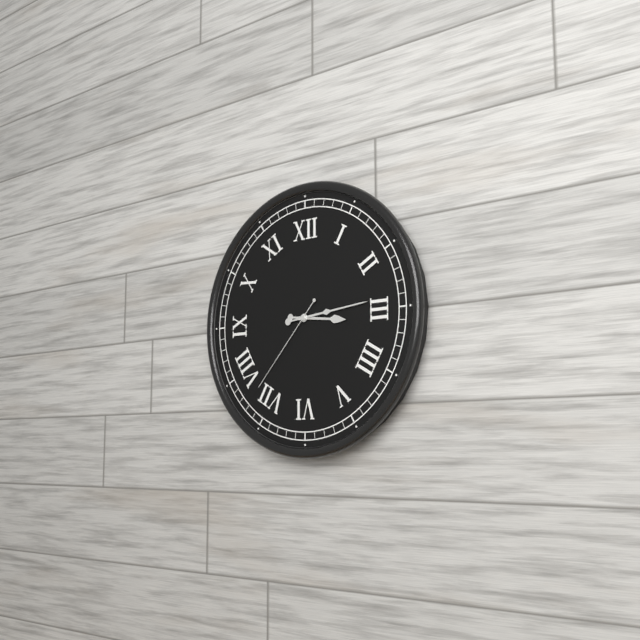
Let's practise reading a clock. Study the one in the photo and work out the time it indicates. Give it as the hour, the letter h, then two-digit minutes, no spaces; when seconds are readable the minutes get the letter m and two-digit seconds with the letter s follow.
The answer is 3h14m37s
